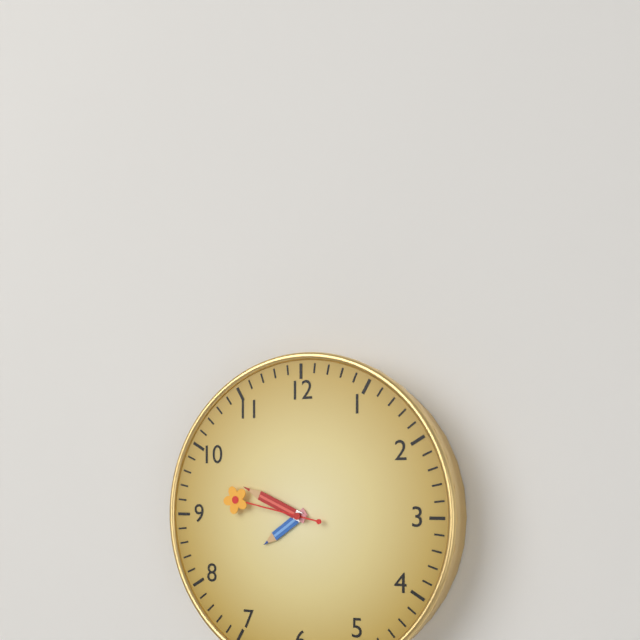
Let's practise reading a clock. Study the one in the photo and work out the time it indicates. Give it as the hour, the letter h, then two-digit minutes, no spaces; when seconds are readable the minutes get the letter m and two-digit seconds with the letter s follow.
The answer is 7h49m47s
